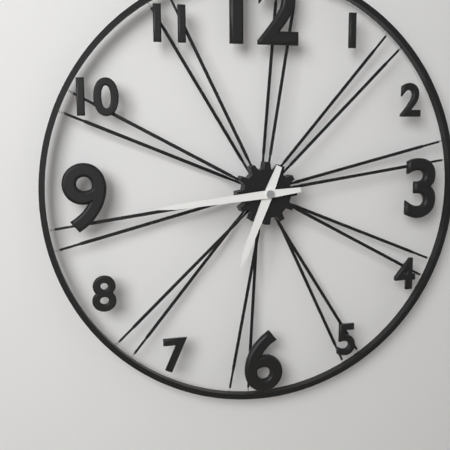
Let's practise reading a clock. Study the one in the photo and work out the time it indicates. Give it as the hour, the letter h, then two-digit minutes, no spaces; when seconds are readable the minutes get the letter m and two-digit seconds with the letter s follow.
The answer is 6h44
